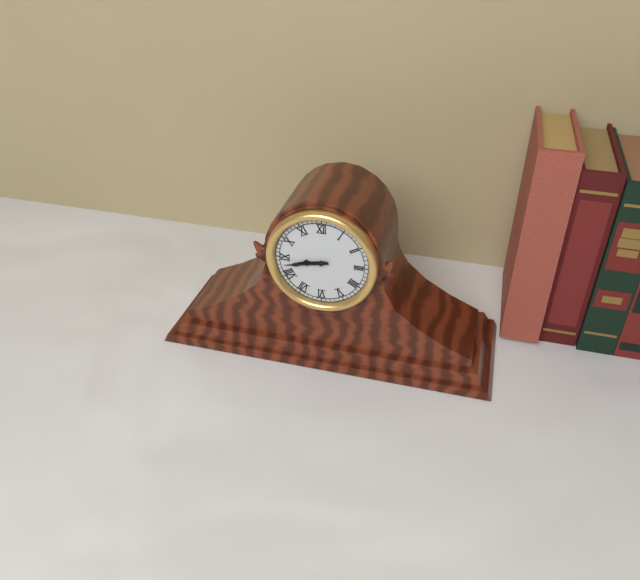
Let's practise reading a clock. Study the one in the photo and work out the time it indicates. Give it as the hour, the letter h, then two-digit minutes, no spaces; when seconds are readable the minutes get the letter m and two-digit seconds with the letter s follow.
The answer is 8h43
